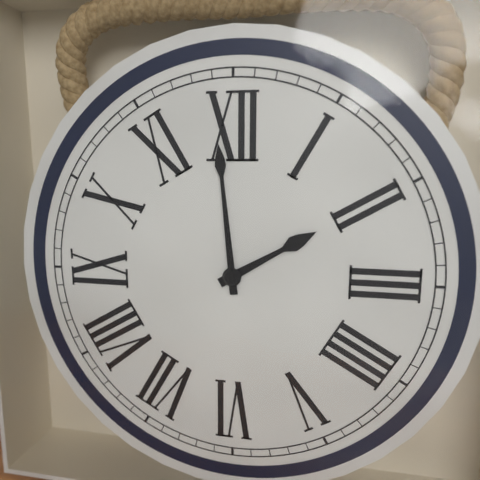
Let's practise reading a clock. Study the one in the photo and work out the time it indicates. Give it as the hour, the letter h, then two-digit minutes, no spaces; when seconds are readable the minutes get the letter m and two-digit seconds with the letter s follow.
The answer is 1h59
